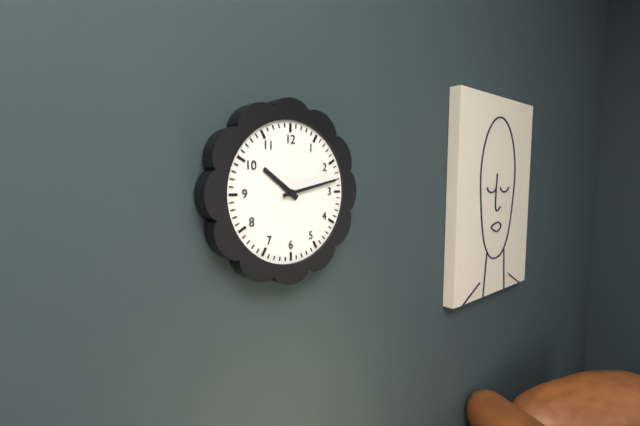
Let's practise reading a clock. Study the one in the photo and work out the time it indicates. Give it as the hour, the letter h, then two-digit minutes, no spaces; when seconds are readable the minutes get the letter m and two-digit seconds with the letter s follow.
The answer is 10h13
